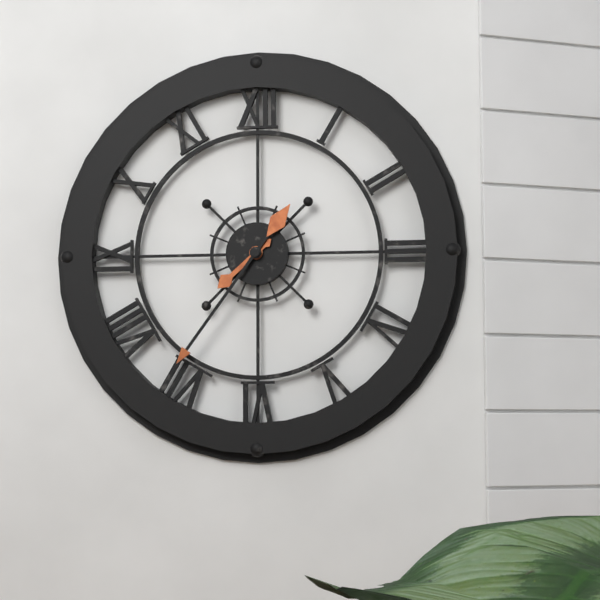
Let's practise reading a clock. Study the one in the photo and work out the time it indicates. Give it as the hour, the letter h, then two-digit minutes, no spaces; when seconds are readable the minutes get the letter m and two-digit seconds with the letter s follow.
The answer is 7h36
